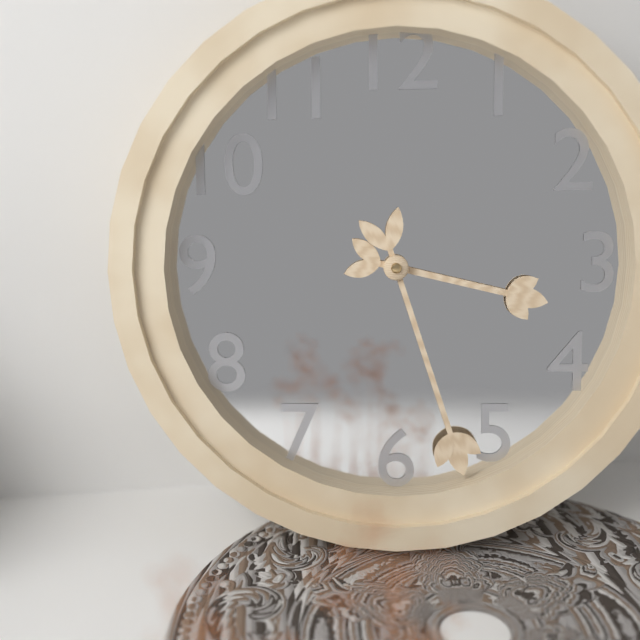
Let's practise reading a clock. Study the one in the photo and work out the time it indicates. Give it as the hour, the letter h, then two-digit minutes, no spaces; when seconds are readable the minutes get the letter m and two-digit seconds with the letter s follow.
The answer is 3h27
